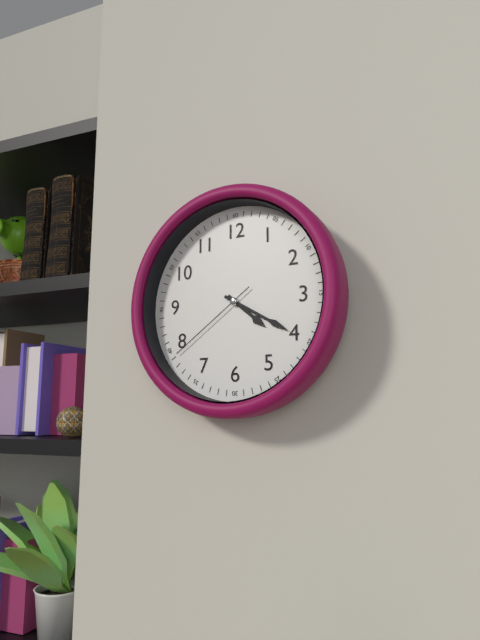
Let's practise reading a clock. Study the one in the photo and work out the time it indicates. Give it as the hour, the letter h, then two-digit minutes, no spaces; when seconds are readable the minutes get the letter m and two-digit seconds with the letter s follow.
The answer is 4h20m39s
